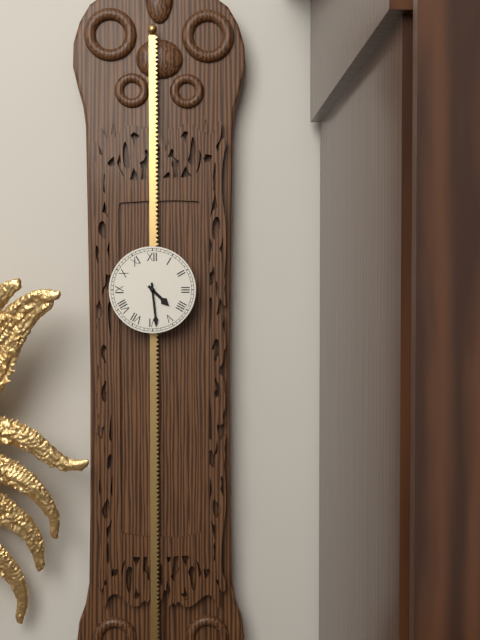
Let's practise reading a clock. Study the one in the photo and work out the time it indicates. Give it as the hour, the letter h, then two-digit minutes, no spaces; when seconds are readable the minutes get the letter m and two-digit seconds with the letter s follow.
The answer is 4h29
